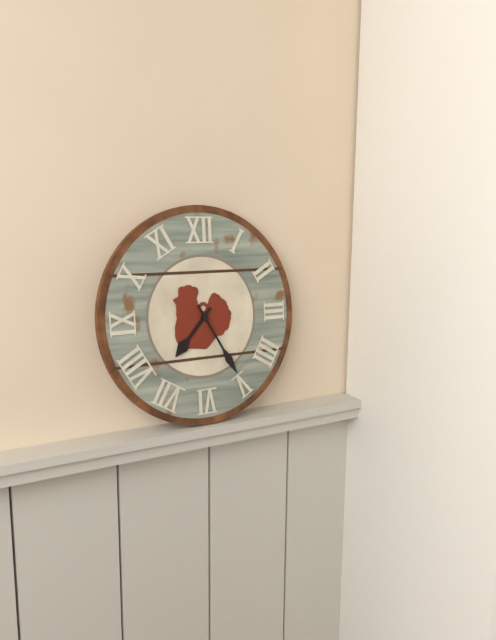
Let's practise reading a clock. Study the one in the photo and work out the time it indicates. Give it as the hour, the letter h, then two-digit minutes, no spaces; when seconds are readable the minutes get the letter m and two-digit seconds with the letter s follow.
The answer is 7h25
